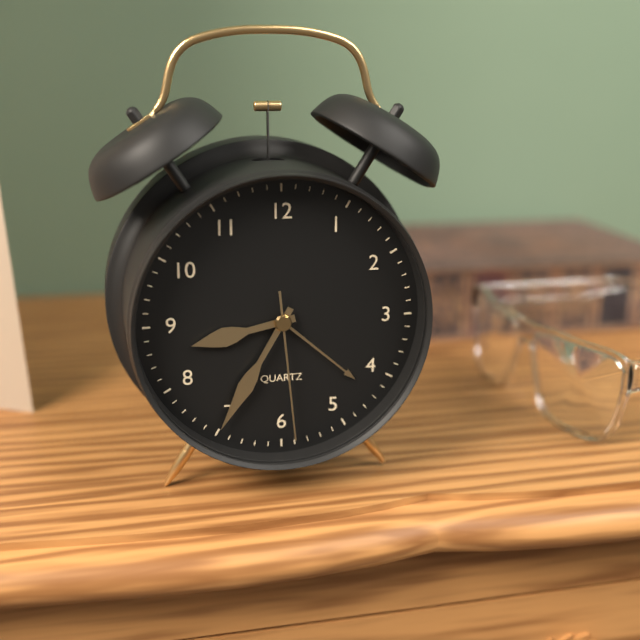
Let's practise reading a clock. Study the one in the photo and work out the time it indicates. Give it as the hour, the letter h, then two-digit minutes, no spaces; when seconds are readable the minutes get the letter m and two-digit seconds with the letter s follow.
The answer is 8h35m29s
